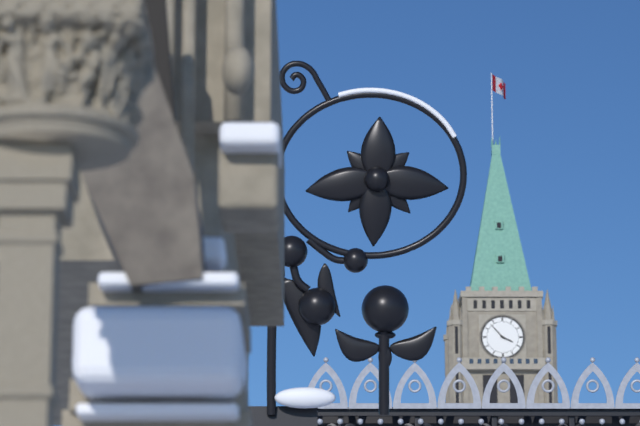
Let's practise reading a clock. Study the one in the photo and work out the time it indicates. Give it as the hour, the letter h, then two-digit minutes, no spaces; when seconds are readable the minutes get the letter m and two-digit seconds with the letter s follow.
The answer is 3h53
